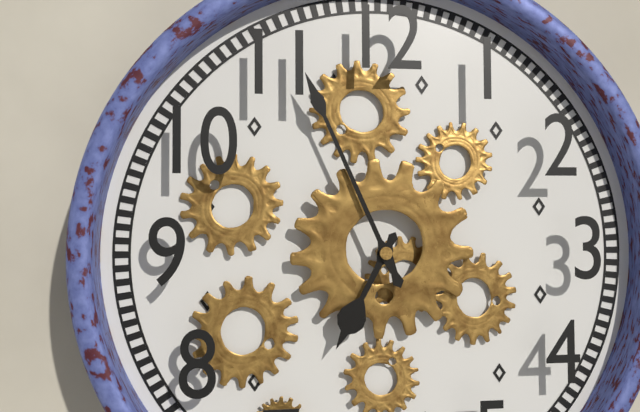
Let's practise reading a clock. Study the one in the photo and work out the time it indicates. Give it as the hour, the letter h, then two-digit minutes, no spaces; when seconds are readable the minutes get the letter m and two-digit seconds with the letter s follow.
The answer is 6h56
